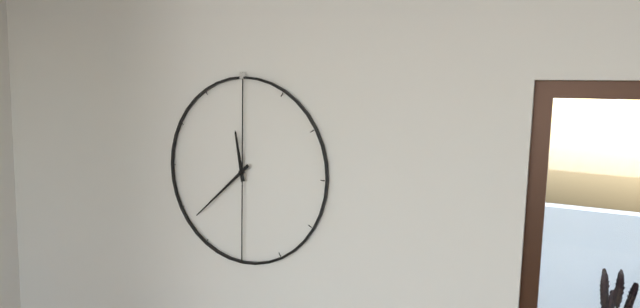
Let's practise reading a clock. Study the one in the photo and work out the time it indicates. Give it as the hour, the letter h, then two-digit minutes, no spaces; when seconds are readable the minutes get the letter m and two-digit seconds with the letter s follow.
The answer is 11h38
